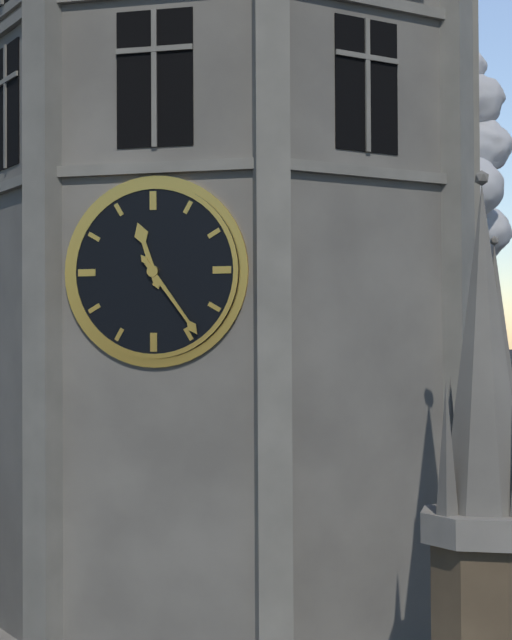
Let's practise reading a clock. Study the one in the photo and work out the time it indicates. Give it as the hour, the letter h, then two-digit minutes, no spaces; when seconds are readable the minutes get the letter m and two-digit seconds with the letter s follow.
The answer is 11h24
